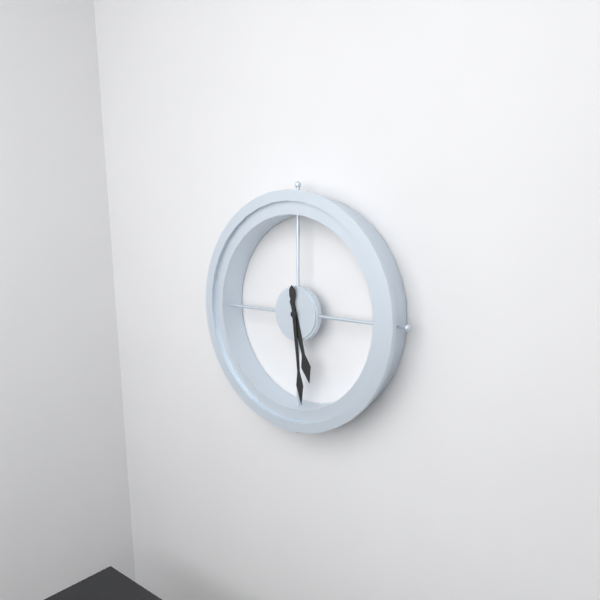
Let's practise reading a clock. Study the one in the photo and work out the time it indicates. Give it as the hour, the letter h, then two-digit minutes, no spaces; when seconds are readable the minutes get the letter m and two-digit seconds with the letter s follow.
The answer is 5h29
